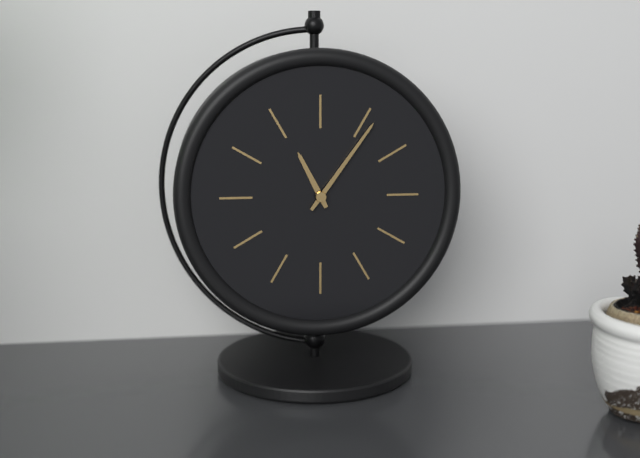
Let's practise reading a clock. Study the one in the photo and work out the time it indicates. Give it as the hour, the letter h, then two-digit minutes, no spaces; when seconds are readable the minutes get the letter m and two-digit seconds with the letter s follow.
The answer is 11h06
